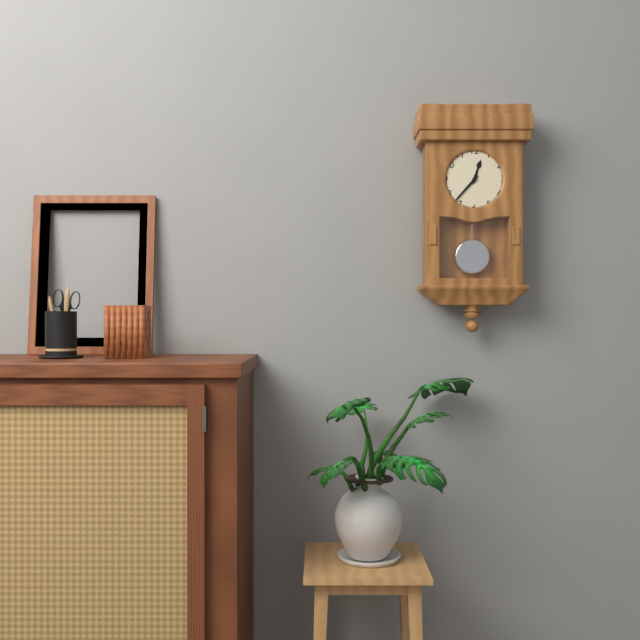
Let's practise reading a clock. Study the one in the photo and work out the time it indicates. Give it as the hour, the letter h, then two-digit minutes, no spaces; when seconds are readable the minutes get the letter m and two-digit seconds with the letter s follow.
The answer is 12h37
